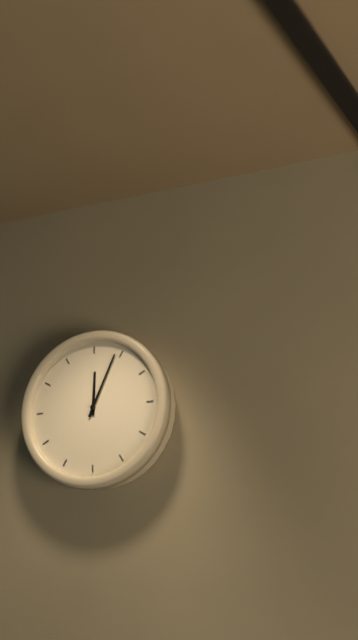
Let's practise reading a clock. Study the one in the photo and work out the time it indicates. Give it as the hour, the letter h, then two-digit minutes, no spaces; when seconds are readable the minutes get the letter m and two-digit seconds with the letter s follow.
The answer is 12h04
